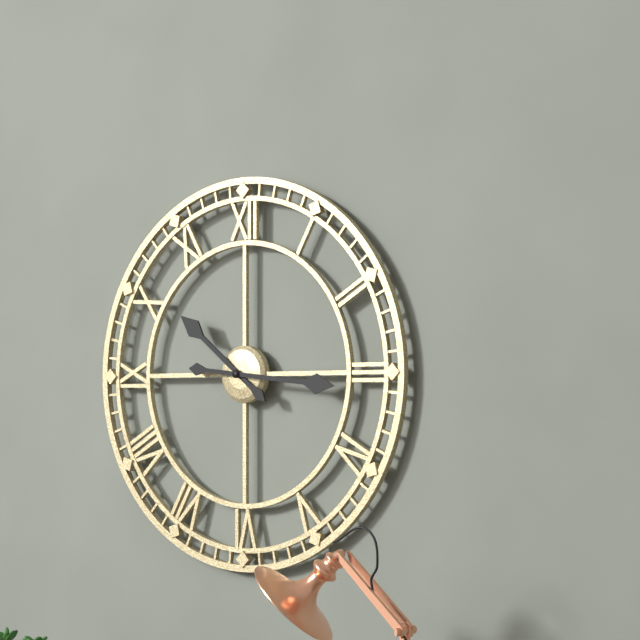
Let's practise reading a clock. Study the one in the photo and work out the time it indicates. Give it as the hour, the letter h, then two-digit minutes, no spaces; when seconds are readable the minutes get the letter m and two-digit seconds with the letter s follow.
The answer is 10h16
